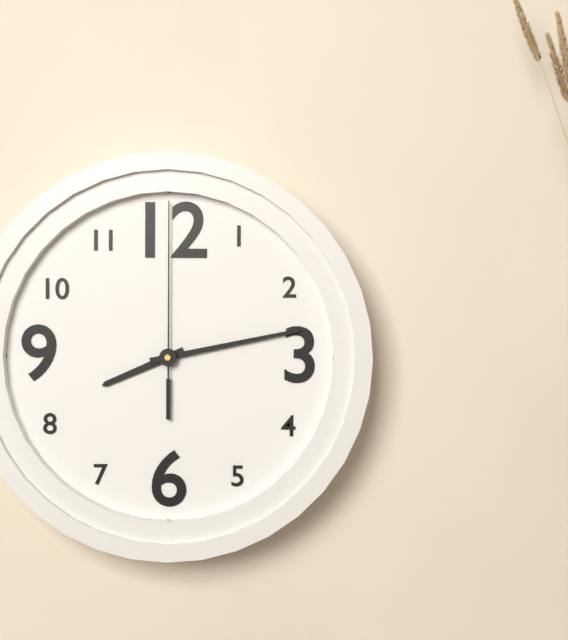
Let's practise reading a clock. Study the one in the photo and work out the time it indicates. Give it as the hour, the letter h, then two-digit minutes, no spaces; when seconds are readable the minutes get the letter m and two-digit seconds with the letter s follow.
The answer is 8h13m00s
